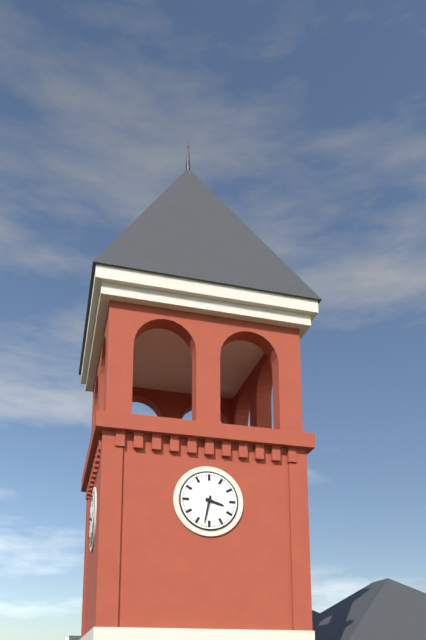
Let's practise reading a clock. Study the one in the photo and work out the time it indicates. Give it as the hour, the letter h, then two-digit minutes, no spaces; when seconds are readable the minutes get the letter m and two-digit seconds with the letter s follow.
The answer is 3h32
